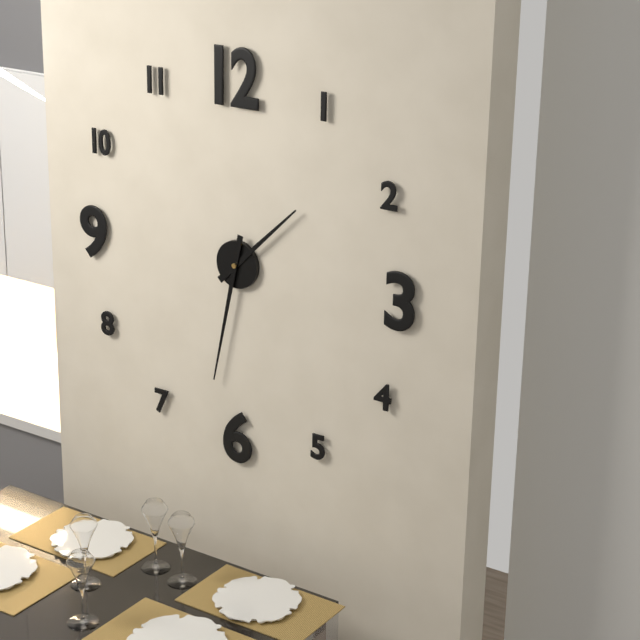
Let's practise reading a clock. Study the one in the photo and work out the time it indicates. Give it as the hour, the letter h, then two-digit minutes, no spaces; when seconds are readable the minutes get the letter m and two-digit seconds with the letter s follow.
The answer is 1h32
